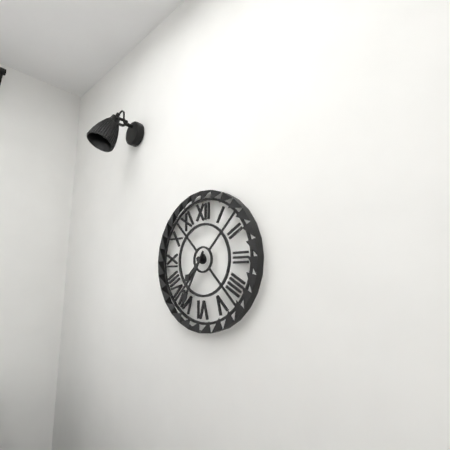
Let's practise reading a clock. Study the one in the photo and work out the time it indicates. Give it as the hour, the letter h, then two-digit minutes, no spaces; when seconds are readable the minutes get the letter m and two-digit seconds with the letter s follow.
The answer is 7h35
